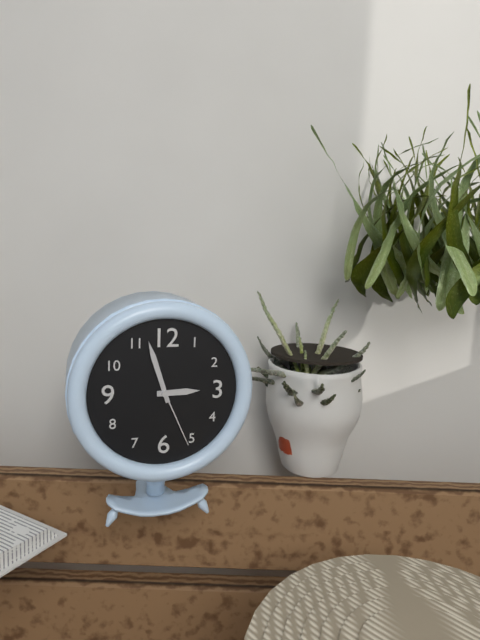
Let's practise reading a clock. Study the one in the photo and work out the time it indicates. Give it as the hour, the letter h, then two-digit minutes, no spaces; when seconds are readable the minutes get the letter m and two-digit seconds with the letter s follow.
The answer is 2h57m26s
